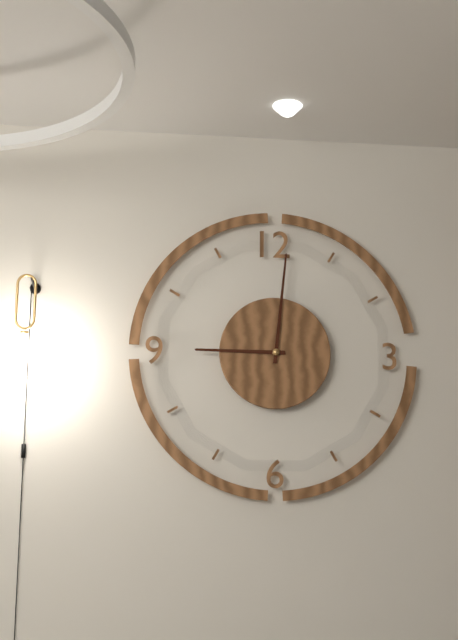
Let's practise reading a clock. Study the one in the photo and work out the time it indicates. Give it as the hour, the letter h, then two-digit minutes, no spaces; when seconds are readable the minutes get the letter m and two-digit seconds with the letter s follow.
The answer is 9h01
